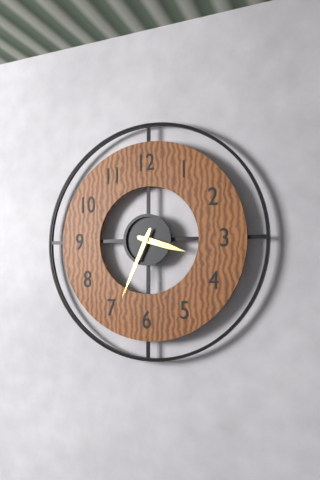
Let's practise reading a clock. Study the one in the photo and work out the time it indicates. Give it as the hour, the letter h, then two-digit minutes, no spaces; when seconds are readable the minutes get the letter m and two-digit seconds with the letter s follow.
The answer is 3h34
